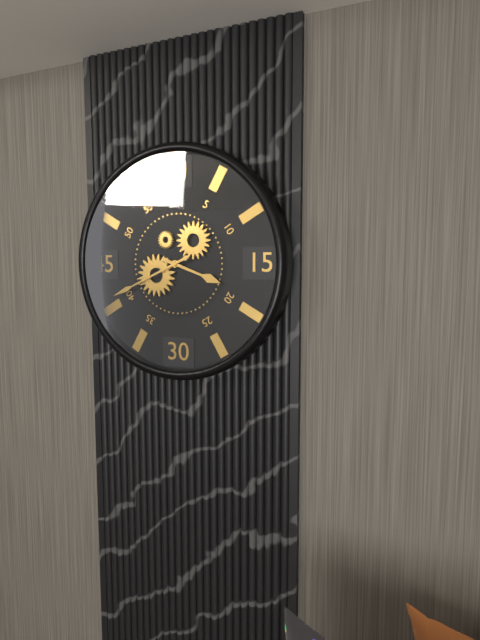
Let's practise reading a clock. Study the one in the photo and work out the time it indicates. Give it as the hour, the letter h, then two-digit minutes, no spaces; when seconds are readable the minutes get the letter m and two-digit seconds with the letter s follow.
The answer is 3h41
